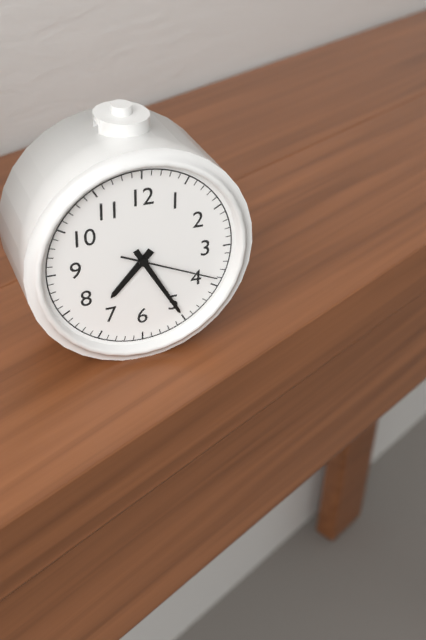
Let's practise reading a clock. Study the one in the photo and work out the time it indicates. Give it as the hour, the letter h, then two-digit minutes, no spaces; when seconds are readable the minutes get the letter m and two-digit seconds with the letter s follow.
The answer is 7h25m19s
